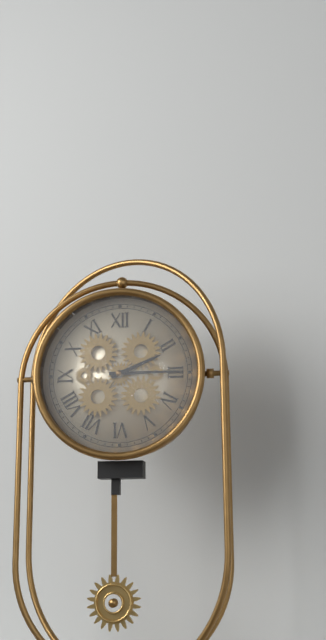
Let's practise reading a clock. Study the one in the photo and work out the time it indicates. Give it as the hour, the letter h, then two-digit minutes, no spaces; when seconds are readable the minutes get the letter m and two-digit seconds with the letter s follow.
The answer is 2h15
